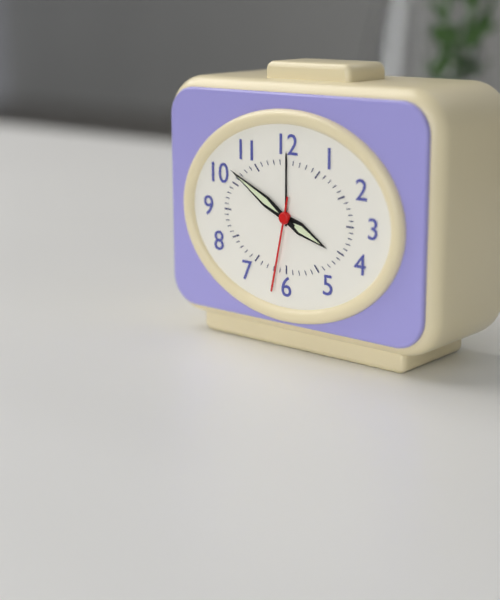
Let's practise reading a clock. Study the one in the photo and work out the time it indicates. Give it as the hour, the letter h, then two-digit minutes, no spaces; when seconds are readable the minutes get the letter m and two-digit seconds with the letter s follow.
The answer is 3h50m32s
